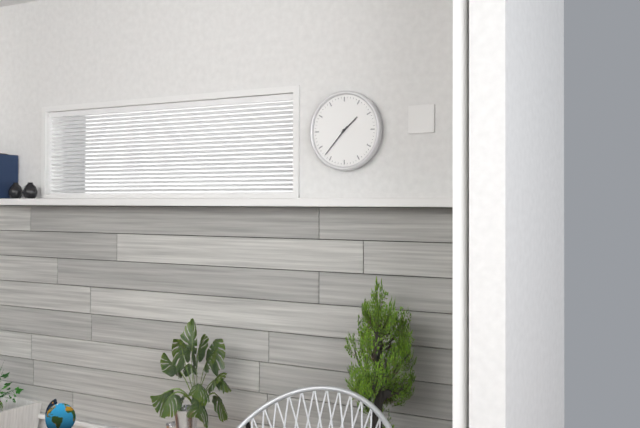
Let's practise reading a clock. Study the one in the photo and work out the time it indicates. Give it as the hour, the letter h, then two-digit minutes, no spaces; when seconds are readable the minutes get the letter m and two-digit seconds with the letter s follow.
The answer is 1h37
